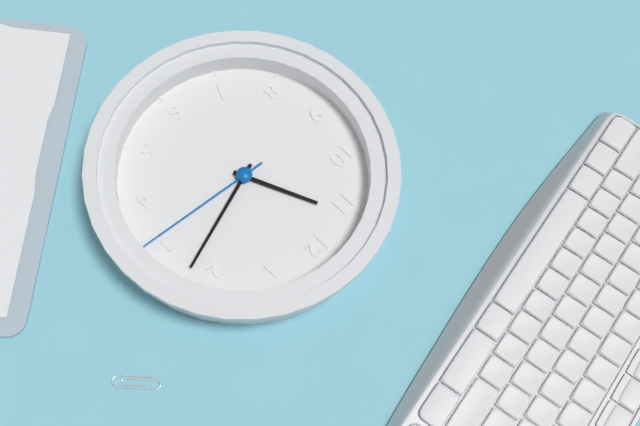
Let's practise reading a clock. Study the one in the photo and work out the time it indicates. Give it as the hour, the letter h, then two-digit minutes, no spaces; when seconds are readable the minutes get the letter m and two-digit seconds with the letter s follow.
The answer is 11h12m16s
